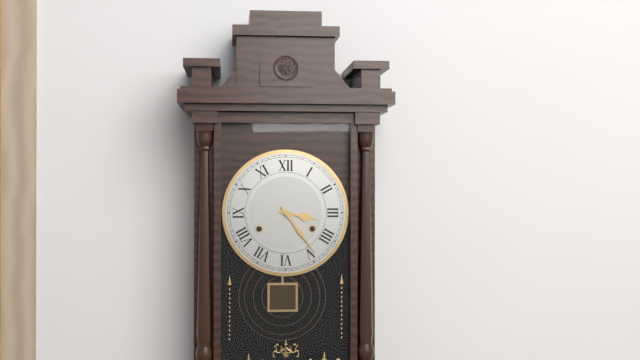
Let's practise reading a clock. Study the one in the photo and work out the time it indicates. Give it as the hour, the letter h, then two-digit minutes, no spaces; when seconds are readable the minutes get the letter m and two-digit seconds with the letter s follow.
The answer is 3h24
